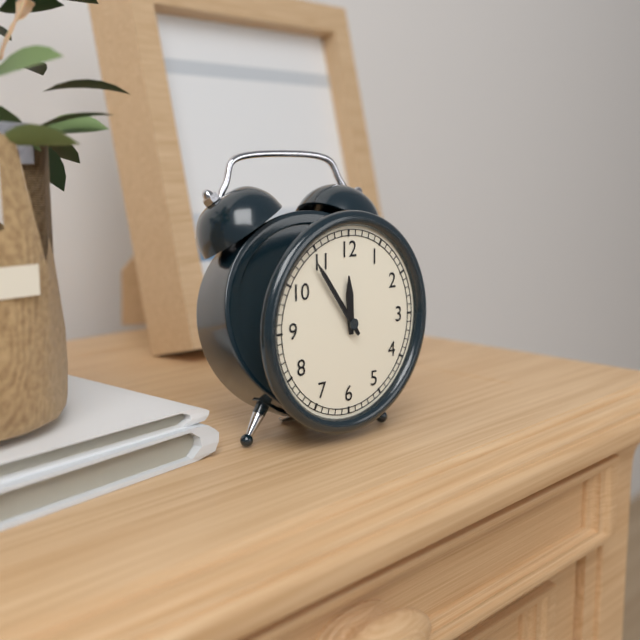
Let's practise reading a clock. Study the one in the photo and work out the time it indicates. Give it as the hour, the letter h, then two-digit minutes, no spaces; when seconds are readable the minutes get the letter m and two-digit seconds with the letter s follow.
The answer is 11h54
